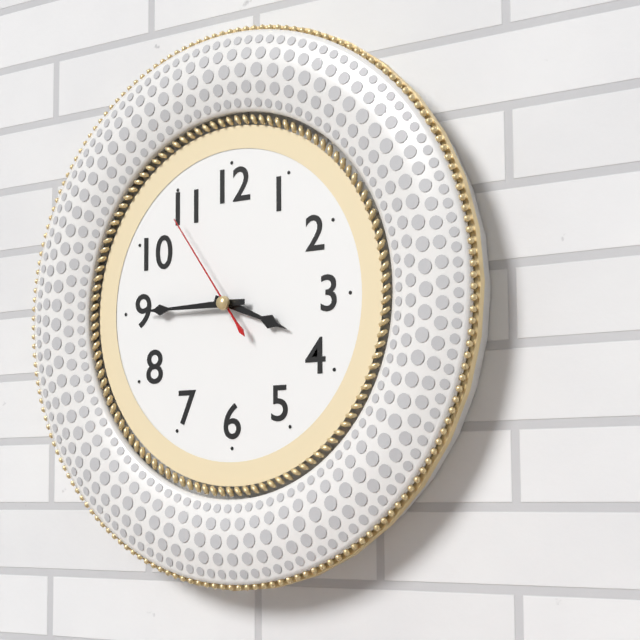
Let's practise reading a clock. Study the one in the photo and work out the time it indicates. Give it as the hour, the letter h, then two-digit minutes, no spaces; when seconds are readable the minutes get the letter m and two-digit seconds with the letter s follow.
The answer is 3h45m54s
